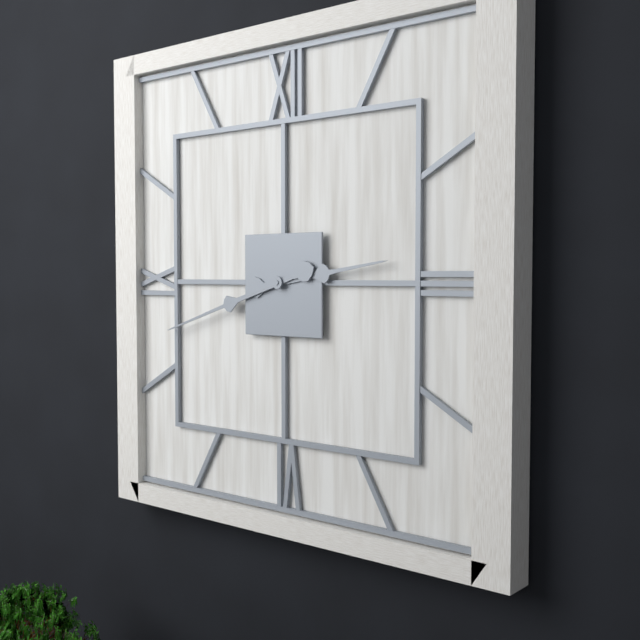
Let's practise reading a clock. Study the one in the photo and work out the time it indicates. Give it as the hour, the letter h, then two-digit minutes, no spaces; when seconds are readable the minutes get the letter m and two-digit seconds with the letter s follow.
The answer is 2h42
